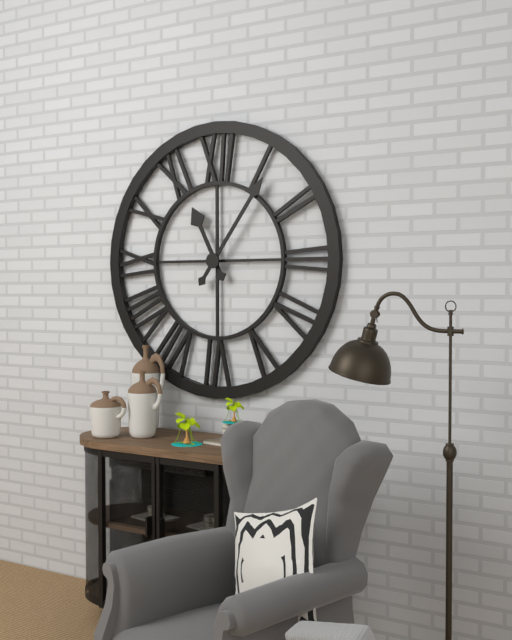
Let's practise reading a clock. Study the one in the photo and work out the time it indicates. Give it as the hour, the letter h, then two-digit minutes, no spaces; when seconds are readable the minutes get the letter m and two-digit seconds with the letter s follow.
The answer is 11h06
